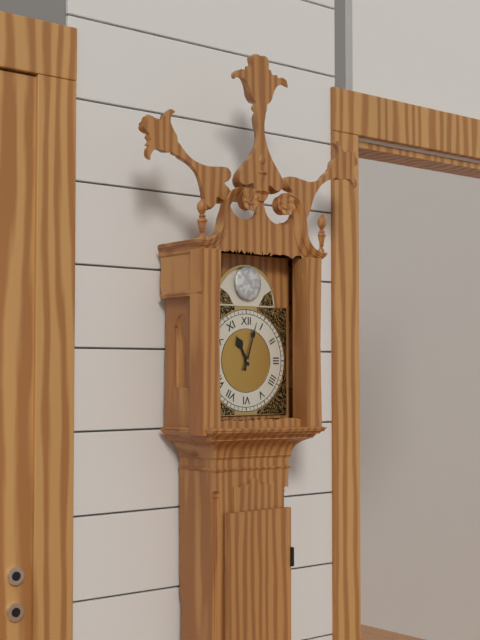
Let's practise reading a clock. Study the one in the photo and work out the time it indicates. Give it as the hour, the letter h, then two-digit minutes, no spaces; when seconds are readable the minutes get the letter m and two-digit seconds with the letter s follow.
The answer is 11h03
